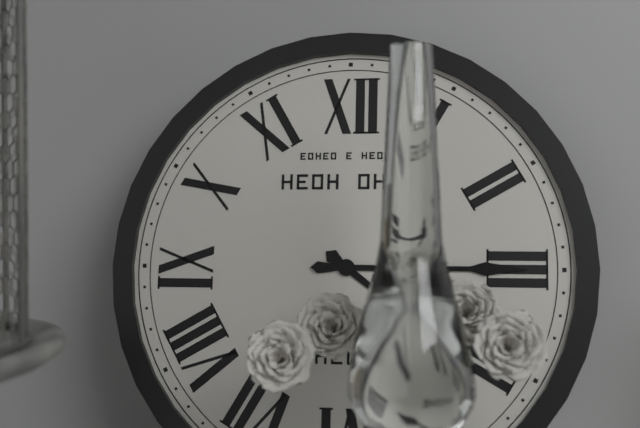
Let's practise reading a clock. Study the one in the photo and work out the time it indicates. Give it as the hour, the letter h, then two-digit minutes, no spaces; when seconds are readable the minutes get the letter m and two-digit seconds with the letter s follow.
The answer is 4h15
